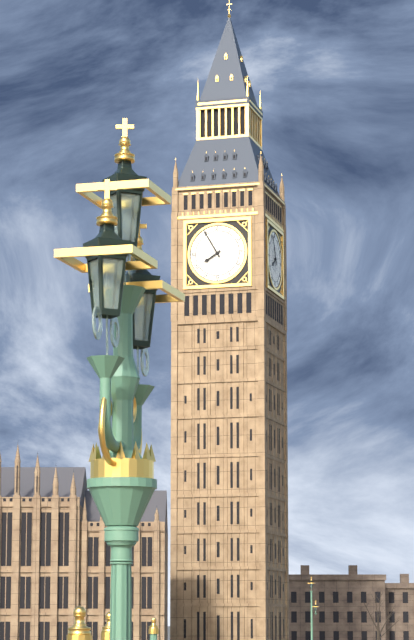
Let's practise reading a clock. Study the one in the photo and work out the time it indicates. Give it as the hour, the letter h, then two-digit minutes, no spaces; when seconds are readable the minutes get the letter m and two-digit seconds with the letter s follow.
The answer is 7h55
